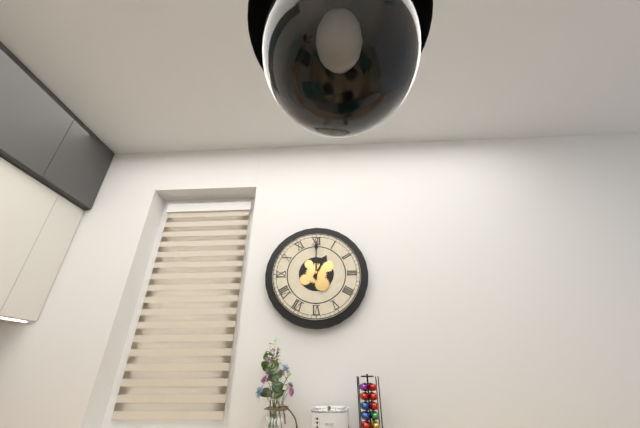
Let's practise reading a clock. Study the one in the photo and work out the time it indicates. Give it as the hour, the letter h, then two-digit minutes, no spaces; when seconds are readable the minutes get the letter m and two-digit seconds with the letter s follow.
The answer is 1h00
